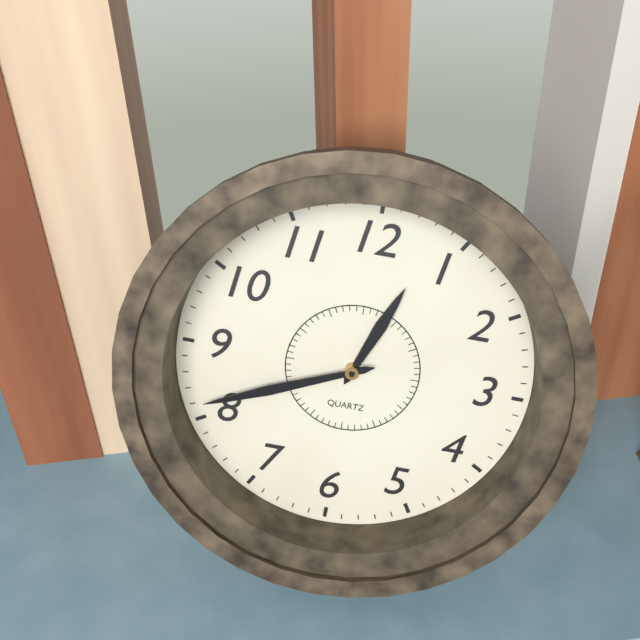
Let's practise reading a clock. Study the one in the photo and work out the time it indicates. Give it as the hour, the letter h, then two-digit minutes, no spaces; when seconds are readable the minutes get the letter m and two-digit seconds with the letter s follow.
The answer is 12h41
